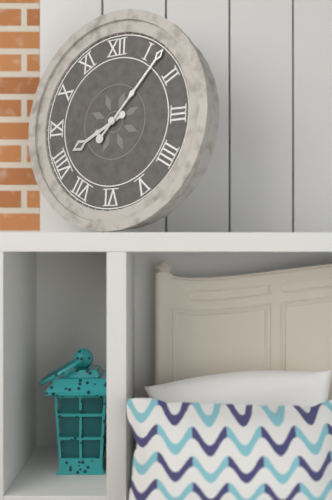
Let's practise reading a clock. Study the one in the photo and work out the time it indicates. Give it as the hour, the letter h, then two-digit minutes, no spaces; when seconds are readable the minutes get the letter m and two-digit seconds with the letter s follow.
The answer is 8h07
